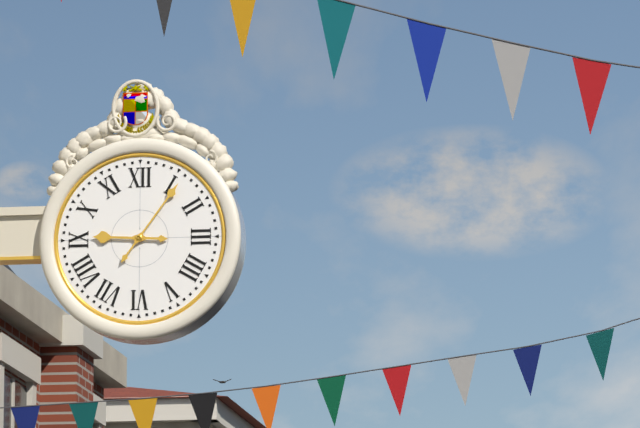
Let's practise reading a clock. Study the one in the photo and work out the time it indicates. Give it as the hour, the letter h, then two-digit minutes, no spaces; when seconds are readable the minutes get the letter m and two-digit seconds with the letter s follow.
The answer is 9h06
